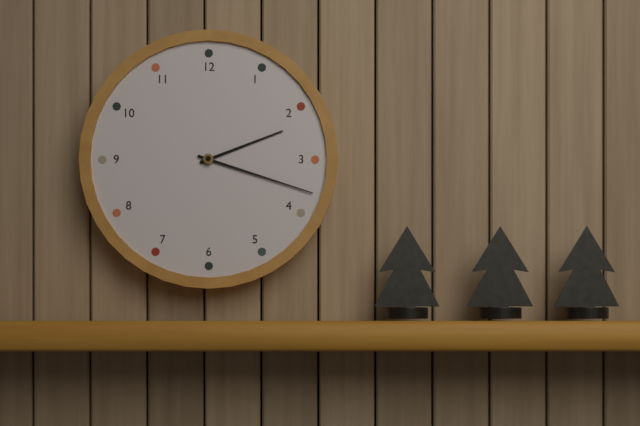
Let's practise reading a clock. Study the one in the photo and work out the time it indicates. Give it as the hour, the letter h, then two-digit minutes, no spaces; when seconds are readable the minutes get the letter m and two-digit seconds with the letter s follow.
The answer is 2h18
